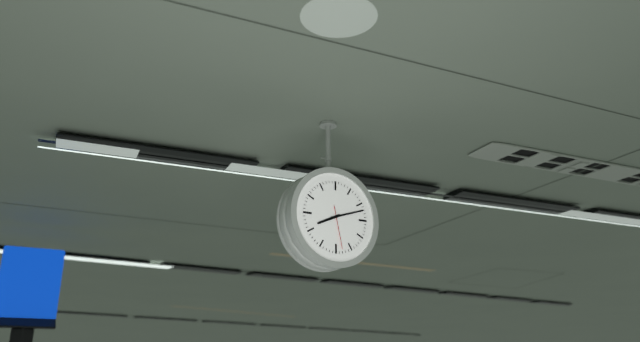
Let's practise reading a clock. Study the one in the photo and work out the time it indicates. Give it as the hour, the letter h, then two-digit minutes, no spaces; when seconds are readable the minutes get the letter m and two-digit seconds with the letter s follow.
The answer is 8h12
